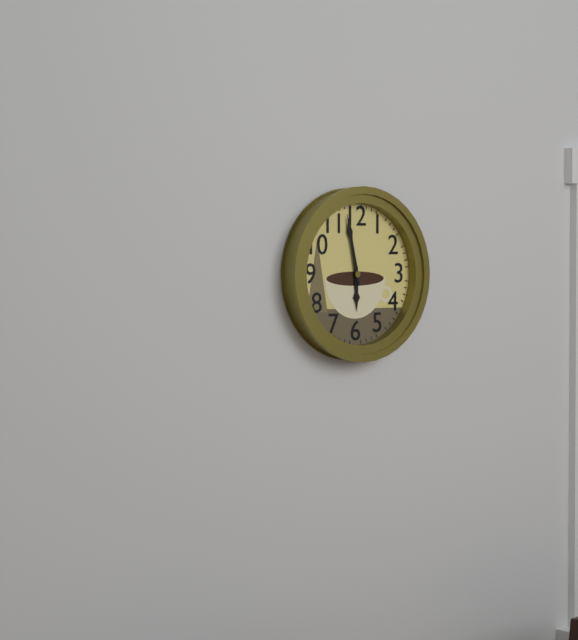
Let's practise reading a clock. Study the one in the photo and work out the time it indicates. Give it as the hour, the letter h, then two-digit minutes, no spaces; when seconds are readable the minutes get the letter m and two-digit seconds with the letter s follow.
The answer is 5h58
